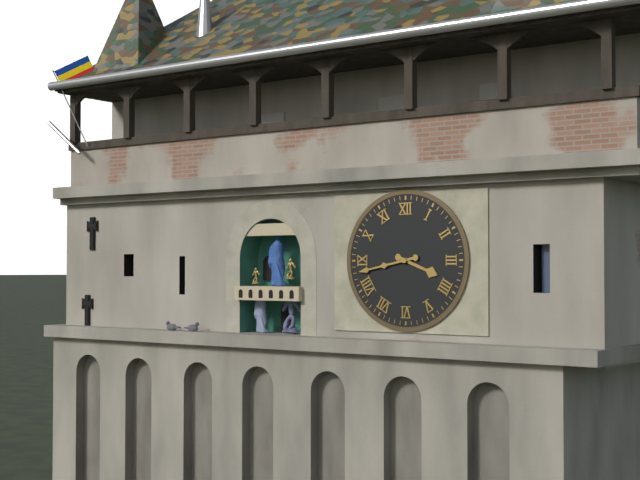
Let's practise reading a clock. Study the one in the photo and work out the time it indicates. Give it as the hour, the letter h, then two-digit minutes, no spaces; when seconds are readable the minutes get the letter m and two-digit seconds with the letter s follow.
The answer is 3h43
